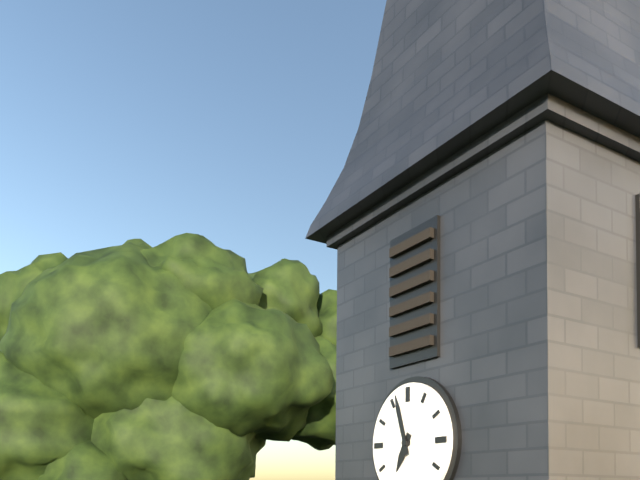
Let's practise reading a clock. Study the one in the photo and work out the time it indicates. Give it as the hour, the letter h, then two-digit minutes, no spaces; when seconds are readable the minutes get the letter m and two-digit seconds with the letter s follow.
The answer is 6h57
